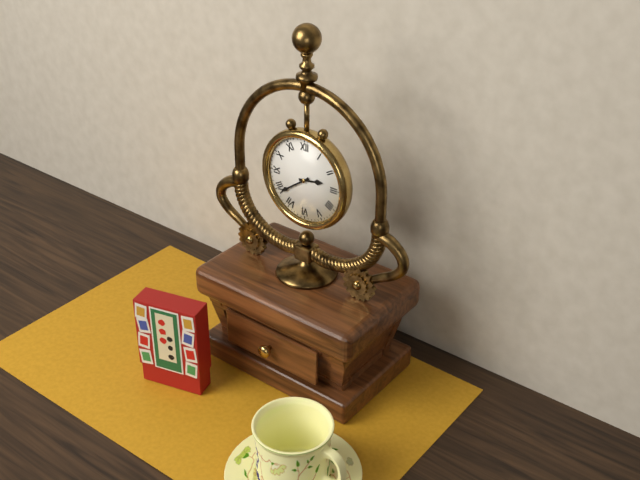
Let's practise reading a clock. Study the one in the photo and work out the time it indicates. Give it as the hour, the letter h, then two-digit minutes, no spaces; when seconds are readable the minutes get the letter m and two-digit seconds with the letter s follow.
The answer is 2h39
